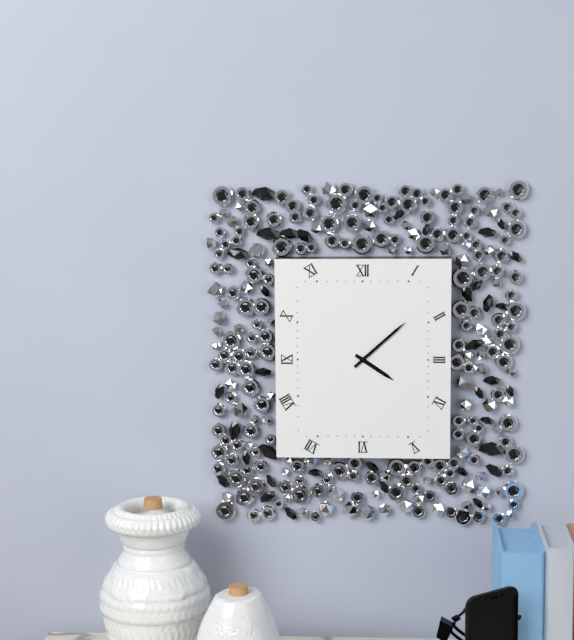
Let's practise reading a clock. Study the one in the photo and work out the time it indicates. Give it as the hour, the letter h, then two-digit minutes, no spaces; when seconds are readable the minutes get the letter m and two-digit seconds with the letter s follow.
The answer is 4h08
